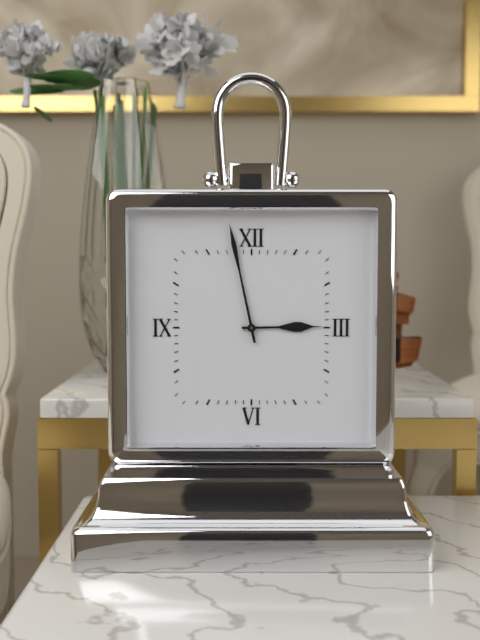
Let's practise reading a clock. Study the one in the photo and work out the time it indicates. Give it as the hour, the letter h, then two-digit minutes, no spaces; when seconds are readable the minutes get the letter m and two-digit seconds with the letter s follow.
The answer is 2h58
